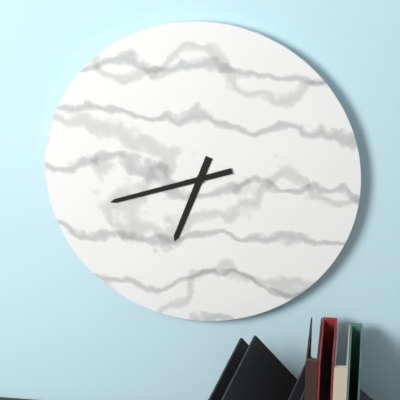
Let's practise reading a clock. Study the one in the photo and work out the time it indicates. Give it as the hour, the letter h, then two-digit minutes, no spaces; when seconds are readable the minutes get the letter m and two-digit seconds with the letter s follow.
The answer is 6h42
